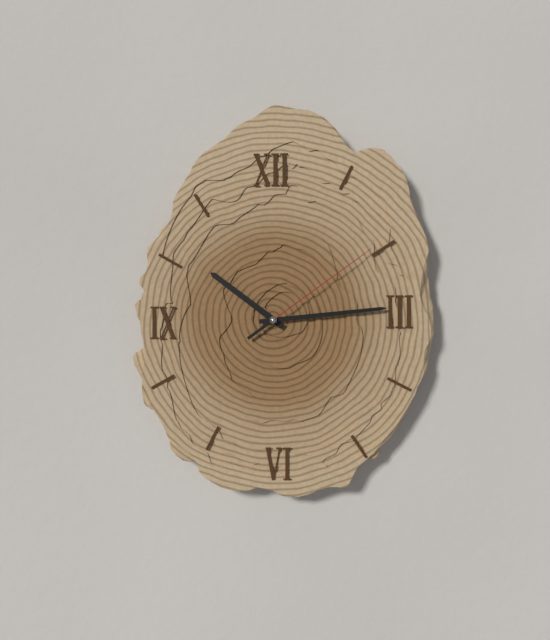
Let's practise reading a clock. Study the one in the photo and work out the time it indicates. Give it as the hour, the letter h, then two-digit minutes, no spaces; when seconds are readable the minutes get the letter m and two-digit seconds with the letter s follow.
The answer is 10h14m09s
